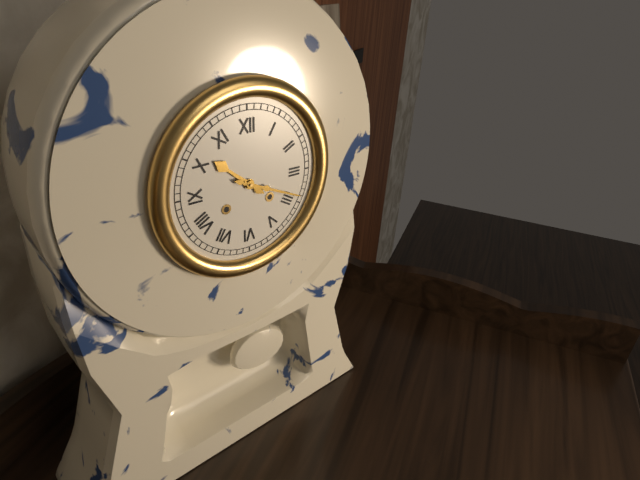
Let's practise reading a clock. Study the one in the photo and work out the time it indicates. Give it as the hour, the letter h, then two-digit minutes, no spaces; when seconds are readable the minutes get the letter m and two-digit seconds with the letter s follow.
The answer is 10h19
